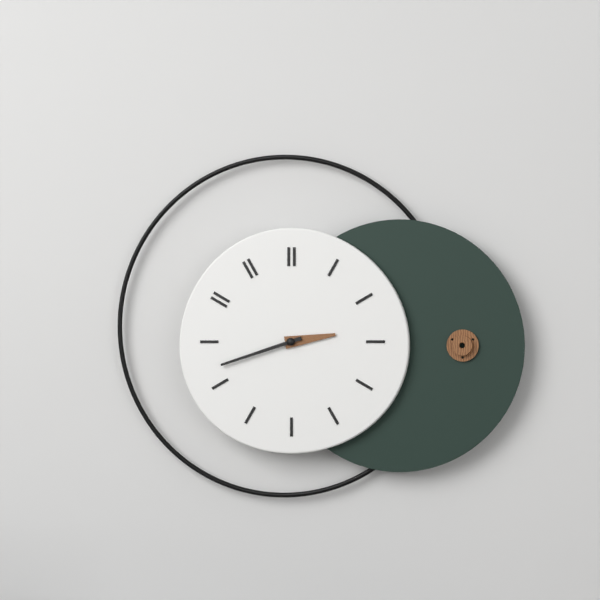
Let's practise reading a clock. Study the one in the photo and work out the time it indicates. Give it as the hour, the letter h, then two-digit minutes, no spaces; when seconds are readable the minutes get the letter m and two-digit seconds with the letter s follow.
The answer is 2h42
